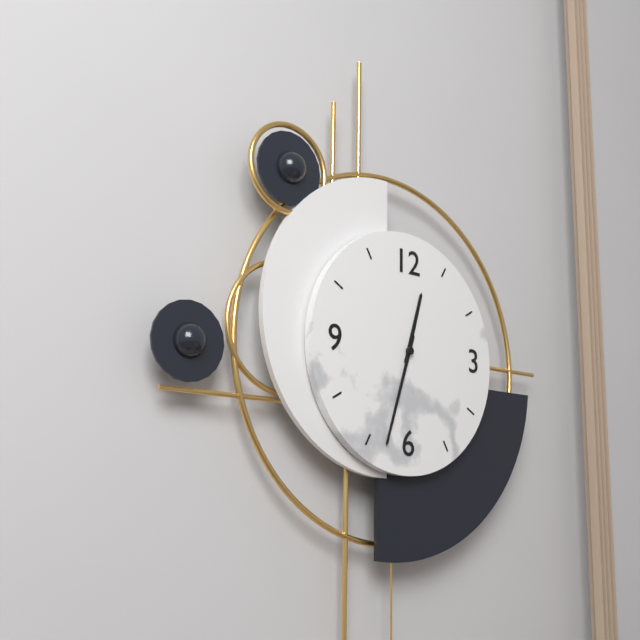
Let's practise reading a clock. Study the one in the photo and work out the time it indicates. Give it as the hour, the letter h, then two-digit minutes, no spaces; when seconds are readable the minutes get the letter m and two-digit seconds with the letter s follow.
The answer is 12h33
